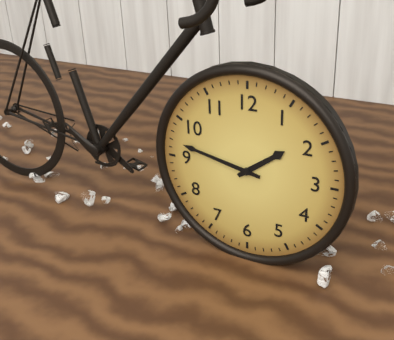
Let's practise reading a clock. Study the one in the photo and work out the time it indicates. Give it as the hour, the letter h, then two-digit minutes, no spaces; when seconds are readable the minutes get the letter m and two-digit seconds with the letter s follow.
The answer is 1h47
